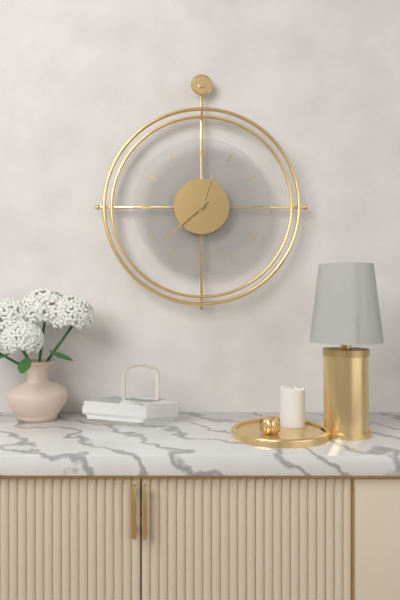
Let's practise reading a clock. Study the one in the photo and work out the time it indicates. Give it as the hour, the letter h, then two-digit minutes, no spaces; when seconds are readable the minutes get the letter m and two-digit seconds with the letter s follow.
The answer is 12h38
